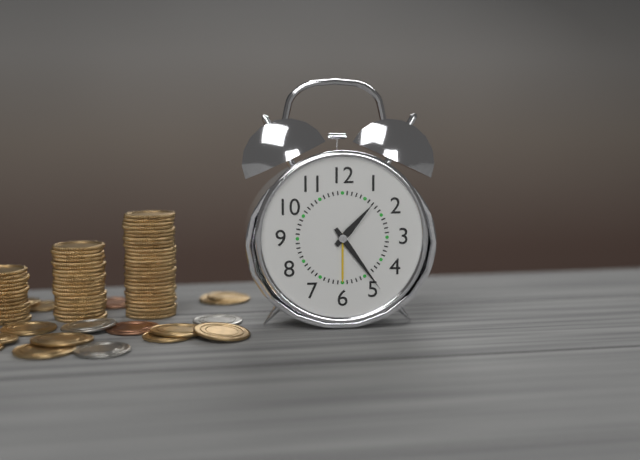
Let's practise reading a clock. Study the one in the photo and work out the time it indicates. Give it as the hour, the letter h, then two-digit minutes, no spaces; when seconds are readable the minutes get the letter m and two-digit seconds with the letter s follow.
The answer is 1h24
